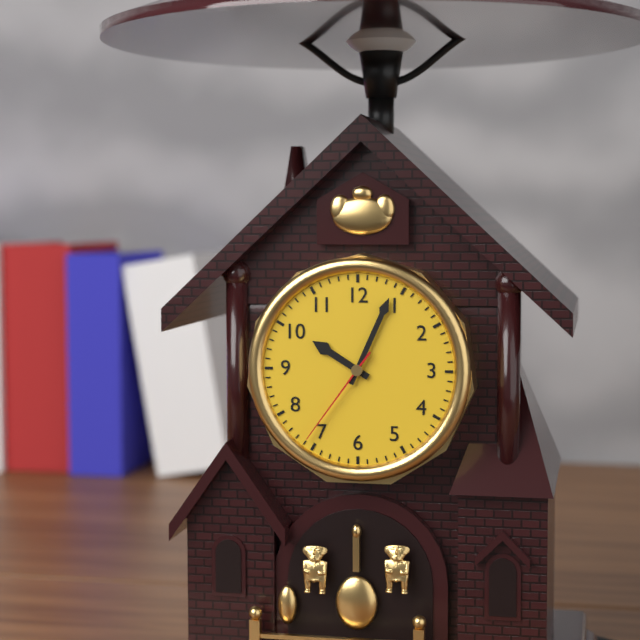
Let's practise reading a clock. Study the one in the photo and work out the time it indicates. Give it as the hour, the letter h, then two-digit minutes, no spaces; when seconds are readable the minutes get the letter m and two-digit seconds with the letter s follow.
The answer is 10h04m36s
